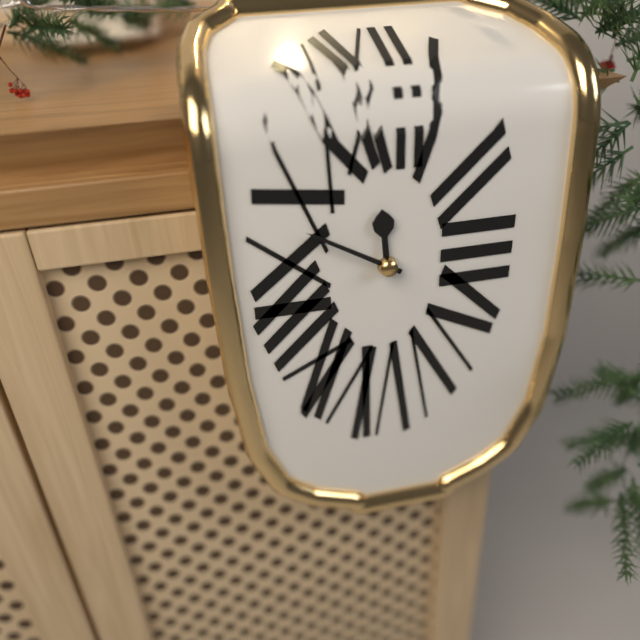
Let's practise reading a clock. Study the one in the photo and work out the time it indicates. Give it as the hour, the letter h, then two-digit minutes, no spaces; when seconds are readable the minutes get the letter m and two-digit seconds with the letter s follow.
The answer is 11h50
